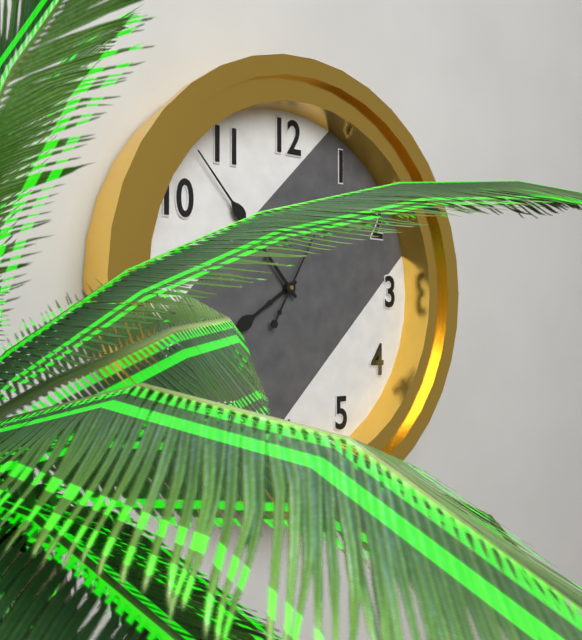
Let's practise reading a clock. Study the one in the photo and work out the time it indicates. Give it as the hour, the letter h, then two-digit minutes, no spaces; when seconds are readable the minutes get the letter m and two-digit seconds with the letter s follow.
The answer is 7h53
